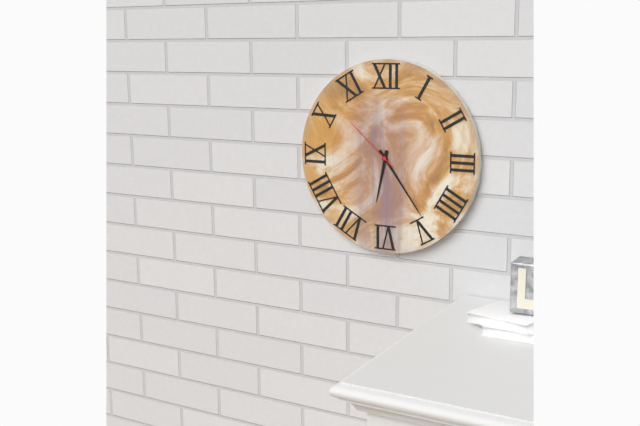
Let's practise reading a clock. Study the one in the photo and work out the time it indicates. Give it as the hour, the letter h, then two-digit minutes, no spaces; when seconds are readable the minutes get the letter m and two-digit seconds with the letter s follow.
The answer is 6h24m52s
